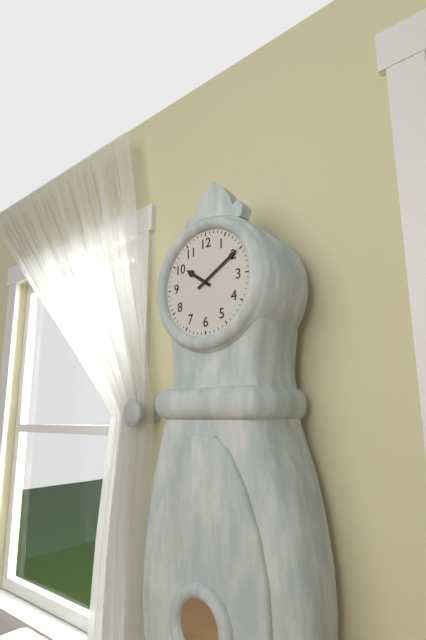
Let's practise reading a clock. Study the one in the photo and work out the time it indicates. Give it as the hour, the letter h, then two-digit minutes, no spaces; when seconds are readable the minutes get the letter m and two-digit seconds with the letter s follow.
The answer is 10h10
